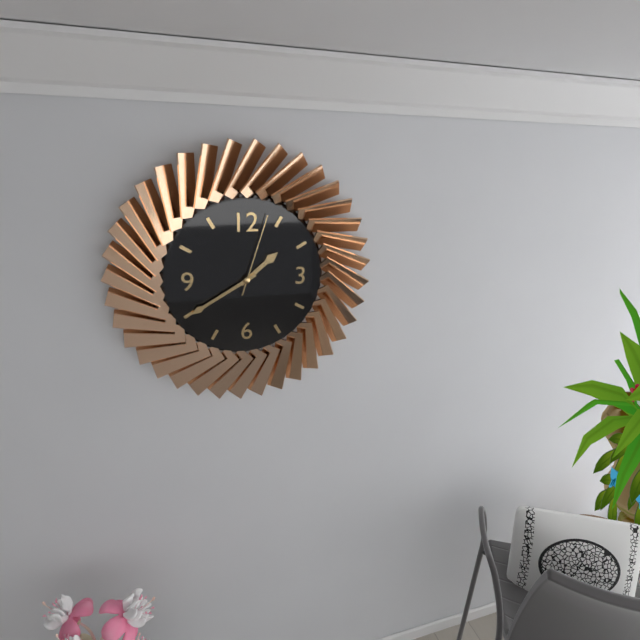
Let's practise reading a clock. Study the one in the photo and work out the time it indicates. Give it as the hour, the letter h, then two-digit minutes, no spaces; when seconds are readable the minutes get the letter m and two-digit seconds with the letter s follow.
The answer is 1h40m03s
